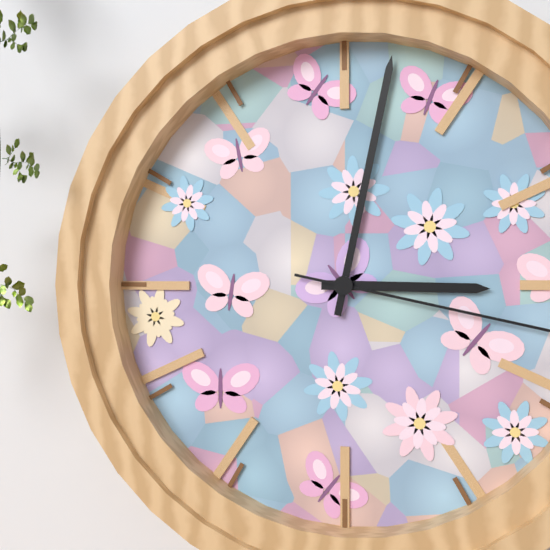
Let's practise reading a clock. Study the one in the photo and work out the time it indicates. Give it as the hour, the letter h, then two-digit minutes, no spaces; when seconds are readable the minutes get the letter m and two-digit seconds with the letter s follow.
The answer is 3h02
